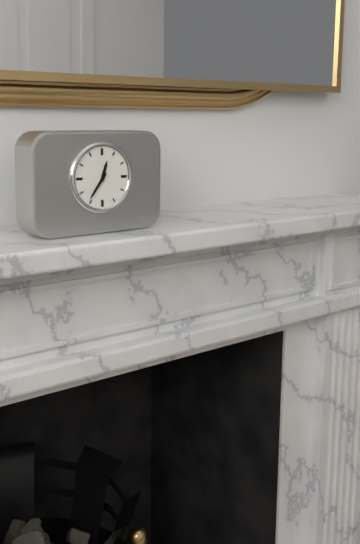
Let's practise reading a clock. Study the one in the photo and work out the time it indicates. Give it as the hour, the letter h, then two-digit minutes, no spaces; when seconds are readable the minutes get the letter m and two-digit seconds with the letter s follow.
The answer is 12h36
